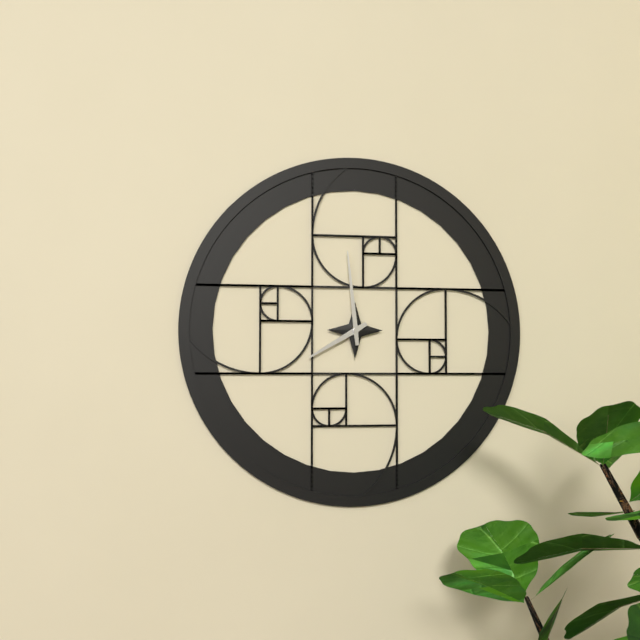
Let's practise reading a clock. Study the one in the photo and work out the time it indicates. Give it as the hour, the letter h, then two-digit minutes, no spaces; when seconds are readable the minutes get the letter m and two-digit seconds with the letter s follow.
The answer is 7h59
